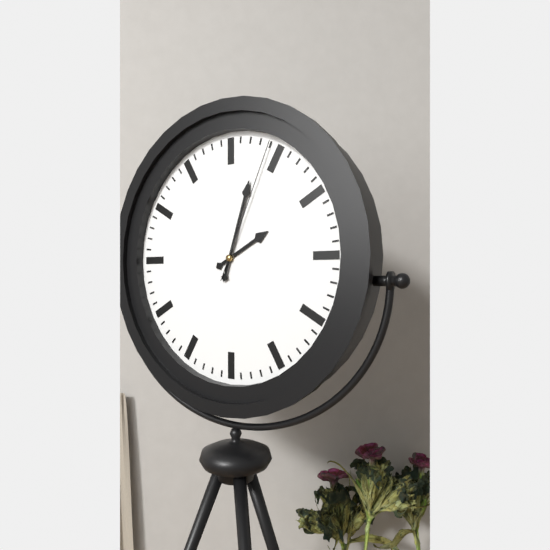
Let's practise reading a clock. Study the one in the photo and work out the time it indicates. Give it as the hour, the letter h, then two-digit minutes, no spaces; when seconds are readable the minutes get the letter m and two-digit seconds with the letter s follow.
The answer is 2h03m04s
